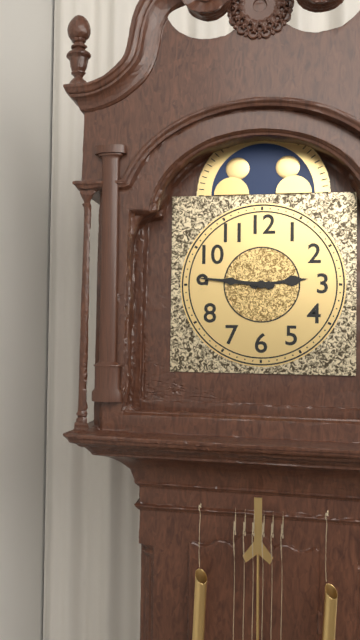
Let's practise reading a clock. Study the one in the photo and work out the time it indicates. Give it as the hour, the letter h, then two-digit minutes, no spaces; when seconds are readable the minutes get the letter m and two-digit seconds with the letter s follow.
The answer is 2h46
